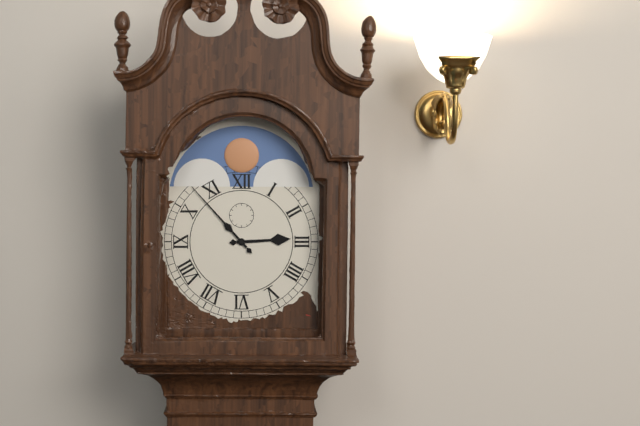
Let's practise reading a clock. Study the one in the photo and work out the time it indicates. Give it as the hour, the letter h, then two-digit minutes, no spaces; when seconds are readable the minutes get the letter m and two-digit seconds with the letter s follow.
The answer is 2h53
